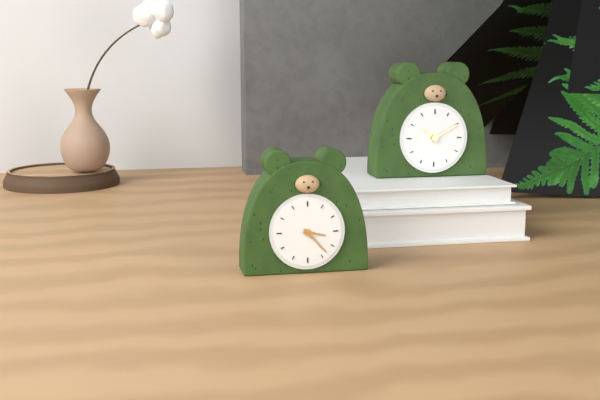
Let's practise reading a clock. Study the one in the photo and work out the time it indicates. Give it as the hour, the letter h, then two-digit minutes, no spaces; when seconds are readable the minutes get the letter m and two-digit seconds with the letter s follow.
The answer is 3h23
